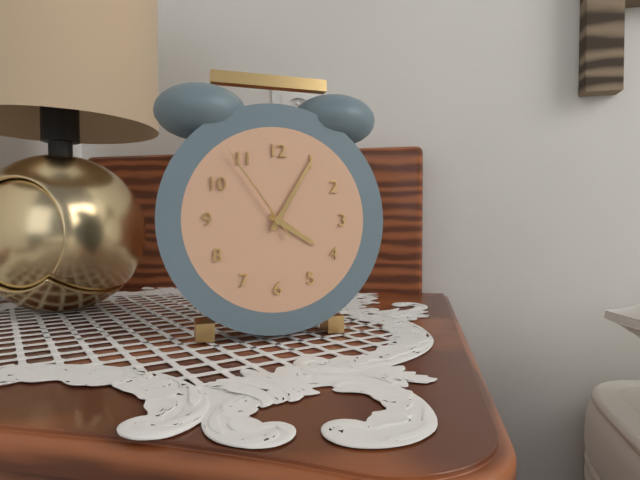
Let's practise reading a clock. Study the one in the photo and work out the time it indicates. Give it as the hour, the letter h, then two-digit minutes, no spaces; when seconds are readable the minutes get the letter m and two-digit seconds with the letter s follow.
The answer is 4h05m54s
